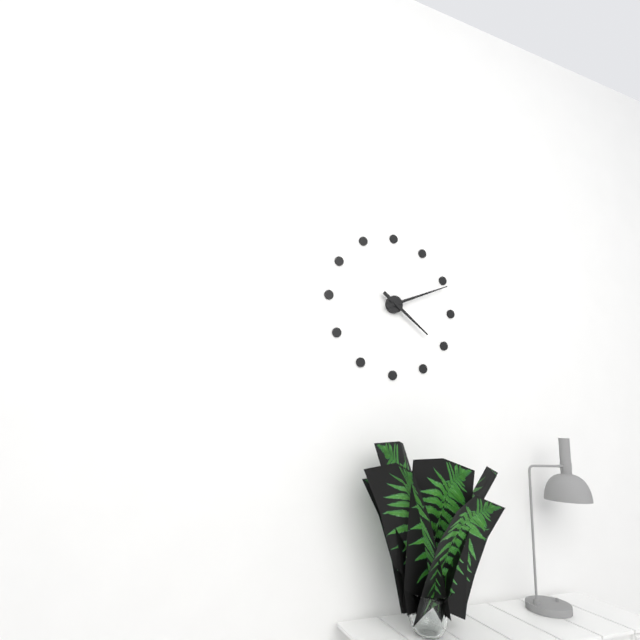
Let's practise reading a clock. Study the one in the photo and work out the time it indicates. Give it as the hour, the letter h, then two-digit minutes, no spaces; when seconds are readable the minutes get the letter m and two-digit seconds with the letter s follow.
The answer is 4h11
